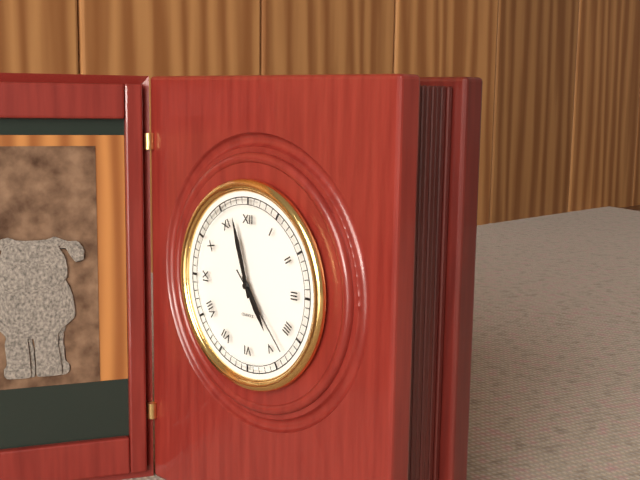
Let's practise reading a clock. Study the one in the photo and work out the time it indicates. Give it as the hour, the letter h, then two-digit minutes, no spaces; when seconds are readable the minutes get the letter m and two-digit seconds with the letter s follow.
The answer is 4h57m23s
